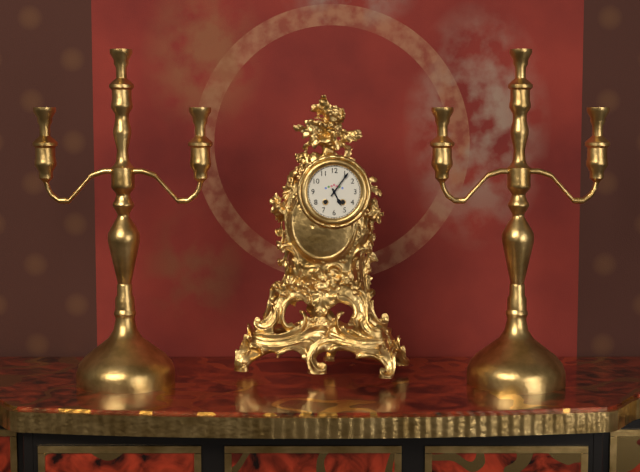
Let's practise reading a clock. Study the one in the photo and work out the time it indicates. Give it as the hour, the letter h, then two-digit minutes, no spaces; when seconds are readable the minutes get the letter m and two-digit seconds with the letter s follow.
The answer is 5h06
